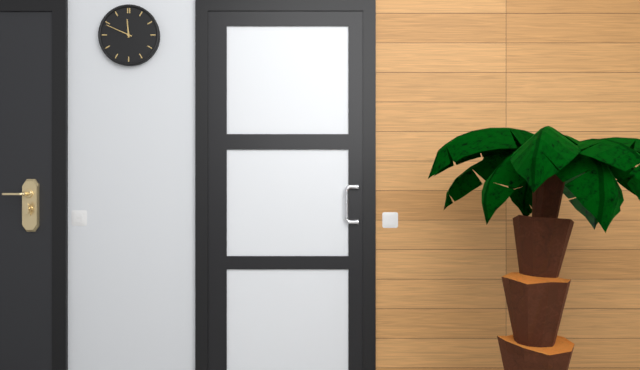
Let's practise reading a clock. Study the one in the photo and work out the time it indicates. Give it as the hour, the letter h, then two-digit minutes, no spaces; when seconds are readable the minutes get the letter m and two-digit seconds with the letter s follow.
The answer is 11h49
